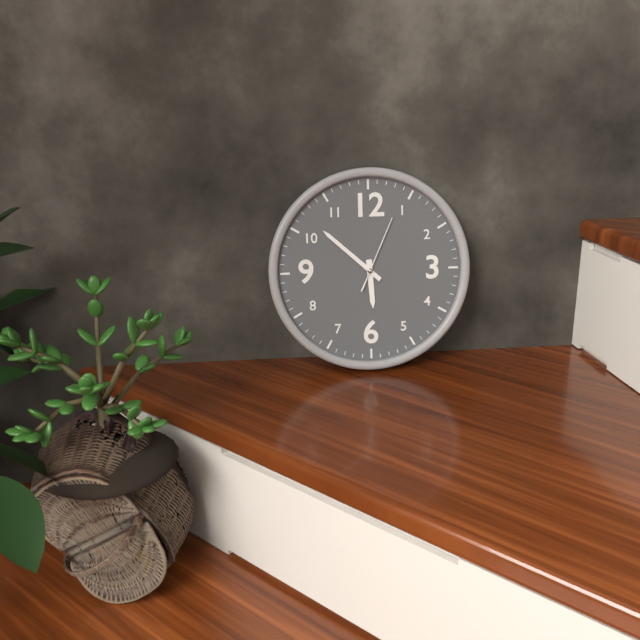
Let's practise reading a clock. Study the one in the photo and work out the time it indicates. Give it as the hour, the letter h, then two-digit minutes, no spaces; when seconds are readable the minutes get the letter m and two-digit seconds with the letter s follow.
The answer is 5h52m04s
